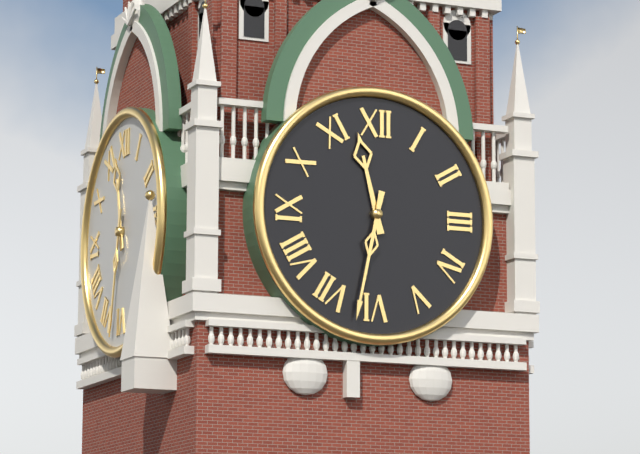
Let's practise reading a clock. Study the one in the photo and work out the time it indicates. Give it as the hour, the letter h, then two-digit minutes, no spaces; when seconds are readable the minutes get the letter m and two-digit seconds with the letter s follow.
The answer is 11h32
